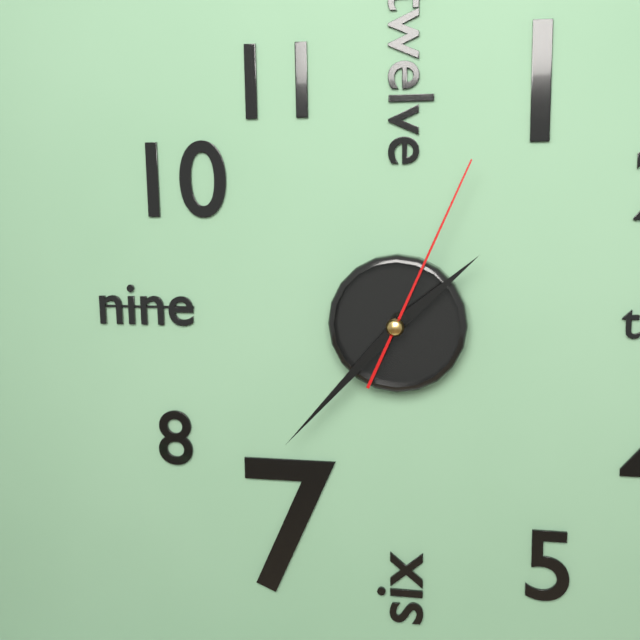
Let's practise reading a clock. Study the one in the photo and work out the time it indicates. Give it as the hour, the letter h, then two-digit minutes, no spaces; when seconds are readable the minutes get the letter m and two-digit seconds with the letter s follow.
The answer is 1h37m04s
